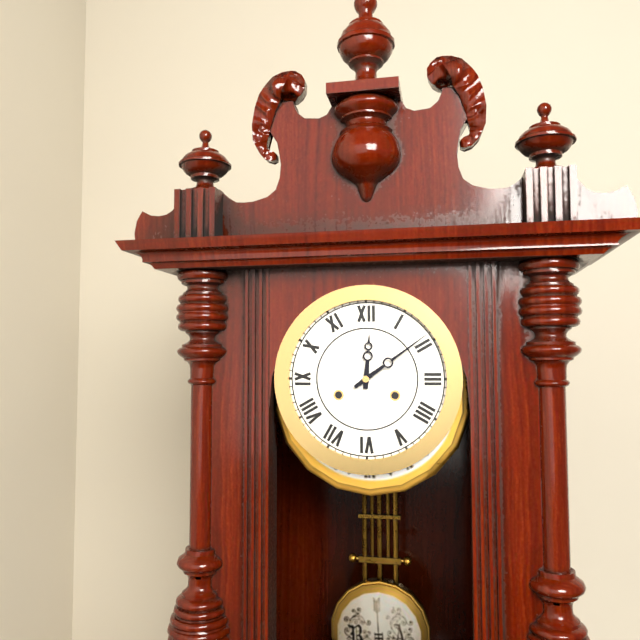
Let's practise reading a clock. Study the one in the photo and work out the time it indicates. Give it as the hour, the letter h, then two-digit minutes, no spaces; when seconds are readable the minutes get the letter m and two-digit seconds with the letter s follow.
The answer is 12h09
